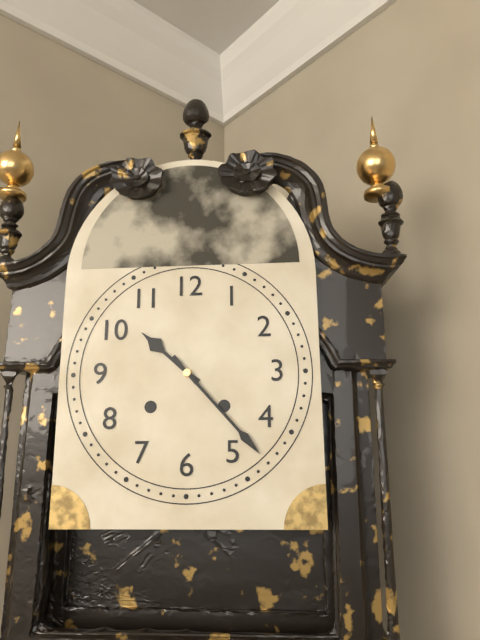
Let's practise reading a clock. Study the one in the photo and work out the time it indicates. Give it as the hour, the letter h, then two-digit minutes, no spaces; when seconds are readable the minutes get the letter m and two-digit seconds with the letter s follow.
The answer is 10h23
